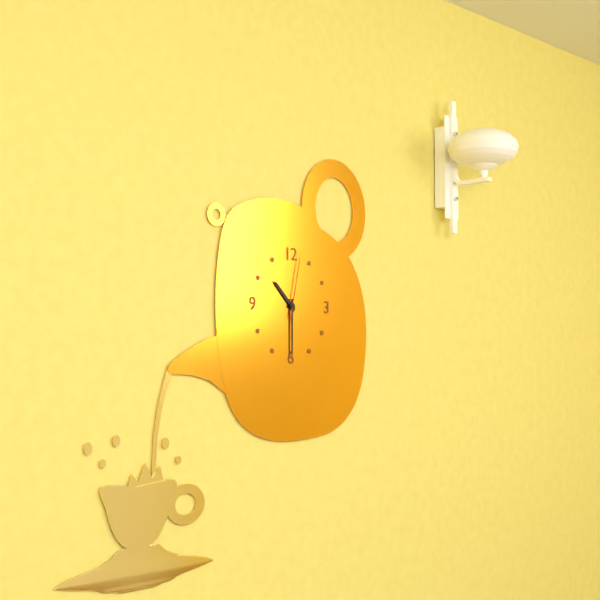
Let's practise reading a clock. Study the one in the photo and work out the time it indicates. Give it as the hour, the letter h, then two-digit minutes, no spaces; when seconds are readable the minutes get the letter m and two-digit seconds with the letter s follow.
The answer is 10h30m02s
